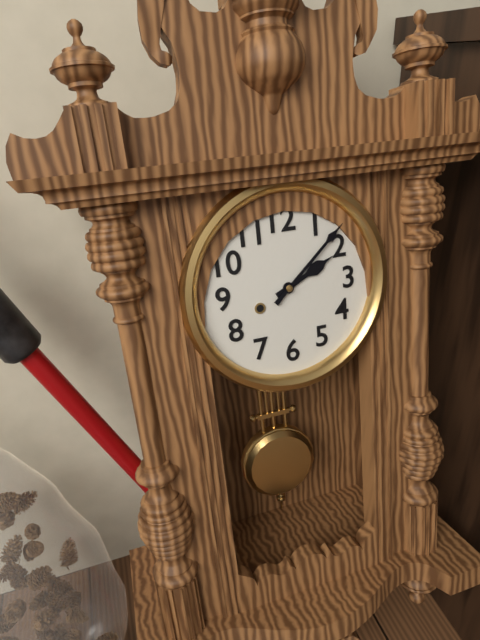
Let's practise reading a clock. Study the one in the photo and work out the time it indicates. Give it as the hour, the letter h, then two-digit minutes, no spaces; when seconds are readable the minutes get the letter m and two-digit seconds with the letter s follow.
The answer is 2h08
